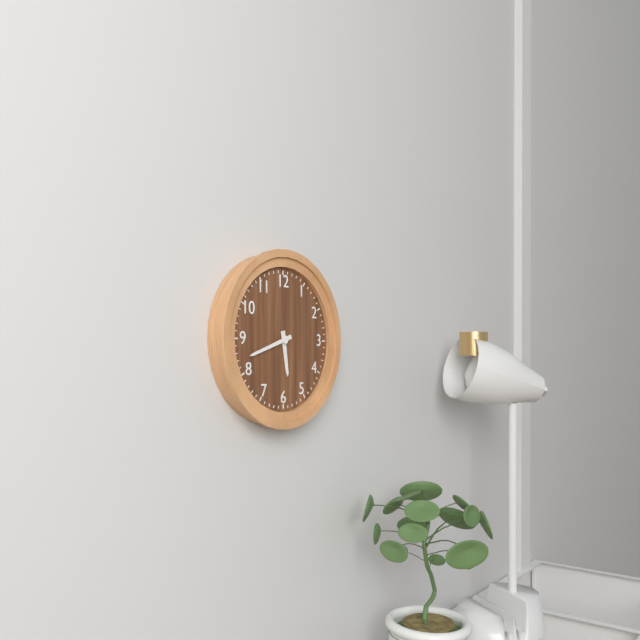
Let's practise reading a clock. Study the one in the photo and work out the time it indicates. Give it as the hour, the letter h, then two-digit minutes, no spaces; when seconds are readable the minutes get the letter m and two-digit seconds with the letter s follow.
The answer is 5h42
